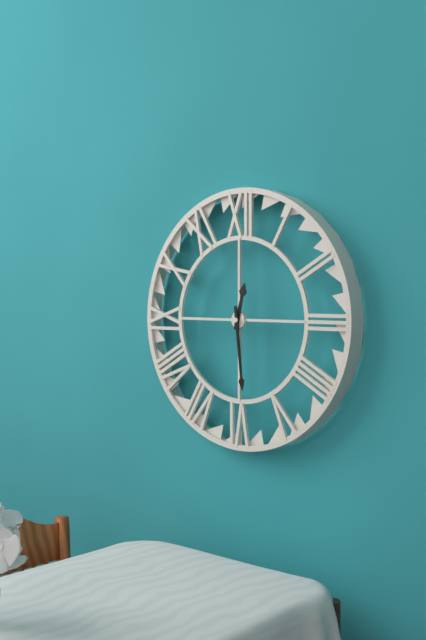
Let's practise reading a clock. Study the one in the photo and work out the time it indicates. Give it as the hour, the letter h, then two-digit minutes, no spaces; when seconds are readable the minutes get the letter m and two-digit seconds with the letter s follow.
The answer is 12h29
